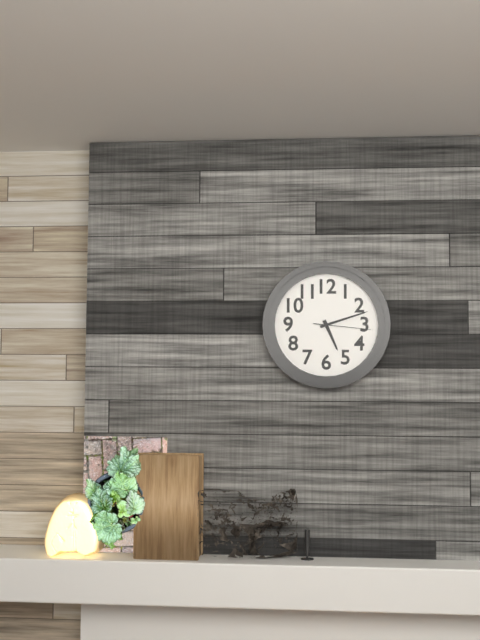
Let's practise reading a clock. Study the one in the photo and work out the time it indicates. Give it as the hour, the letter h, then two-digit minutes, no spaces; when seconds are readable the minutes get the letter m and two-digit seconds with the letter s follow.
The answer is 5h12m16s
